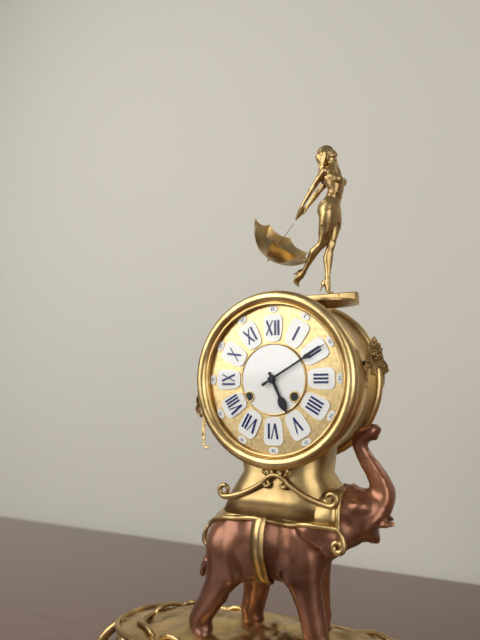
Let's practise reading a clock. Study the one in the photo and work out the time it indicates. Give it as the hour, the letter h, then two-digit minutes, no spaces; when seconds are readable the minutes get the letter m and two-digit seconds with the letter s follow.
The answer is 5h10
